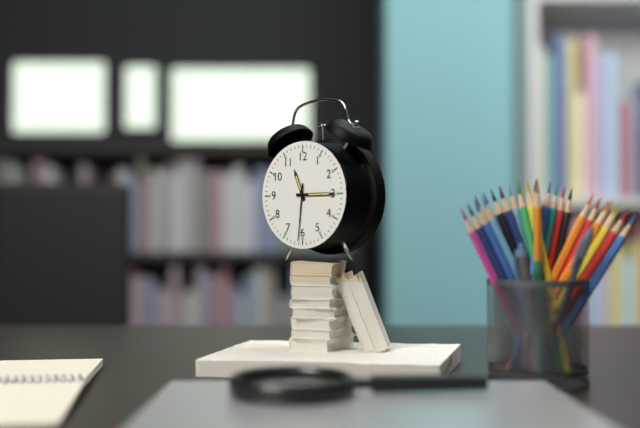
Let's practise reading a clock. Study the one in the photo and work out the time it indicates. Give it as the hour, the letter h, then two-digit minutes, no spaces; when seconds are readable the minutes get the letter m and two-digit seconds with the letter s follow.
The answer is 11h15m31s
